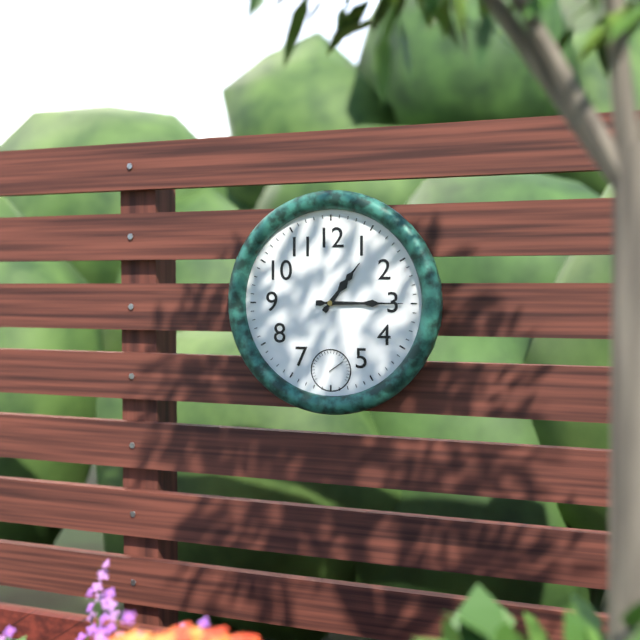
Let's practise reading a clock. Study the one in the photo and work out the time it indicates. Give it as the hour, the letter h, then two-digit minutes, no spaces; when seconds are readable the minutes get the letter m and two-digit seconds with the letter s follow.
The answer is 1h15
